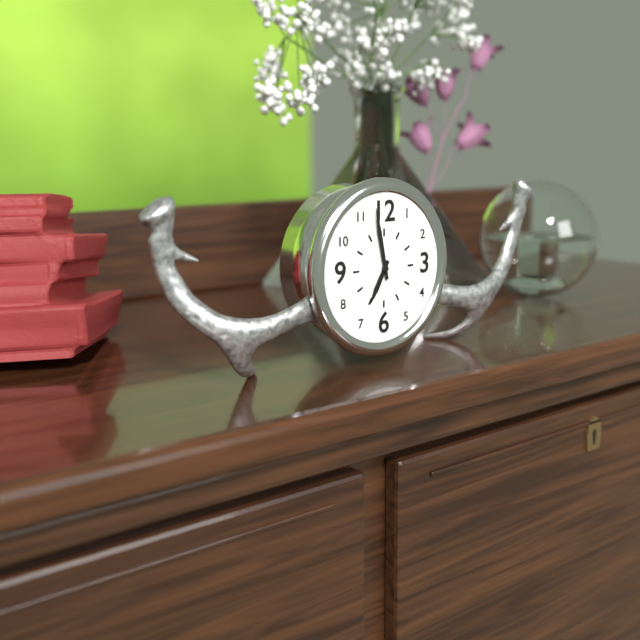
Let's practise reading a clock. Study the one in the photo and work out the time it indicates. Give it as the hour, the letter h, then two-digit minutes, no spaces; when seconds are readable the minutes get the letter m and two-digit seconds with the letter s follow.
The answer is 6h58
